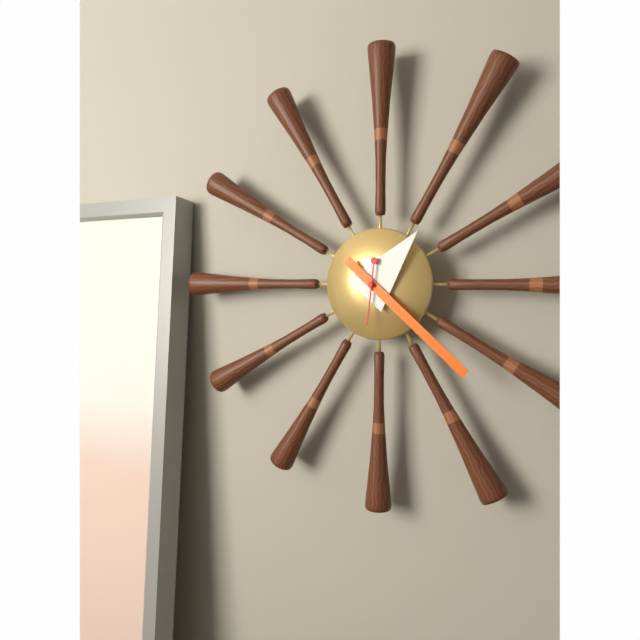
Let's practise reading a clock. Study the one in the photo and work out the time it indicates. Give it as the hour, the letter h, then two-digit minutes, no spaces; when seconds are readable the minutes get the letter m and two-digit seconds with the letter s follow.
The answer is 1h22m31s
